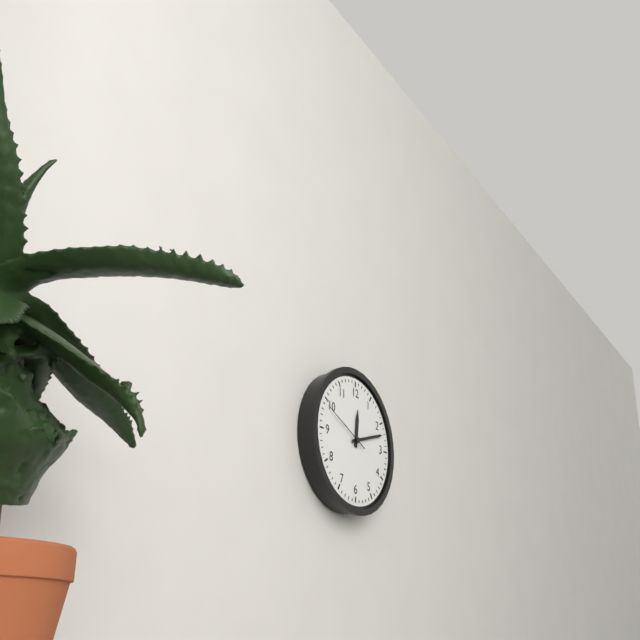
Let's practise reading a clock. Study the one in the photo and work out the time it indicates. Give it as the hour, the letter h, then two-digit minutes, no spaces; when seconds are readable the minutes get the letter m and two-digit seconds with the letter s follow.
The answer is 12h12m49s
